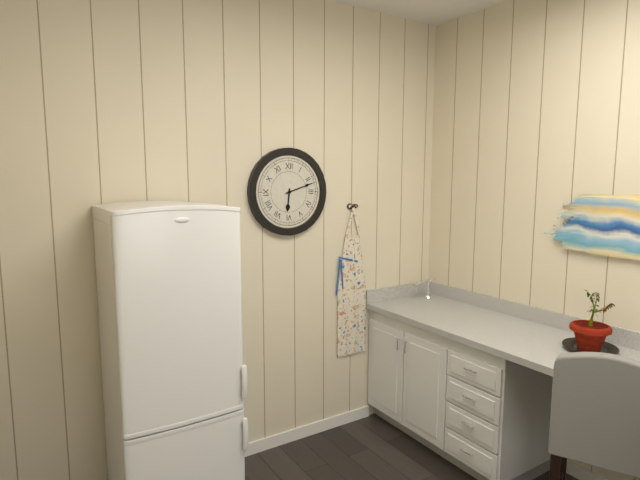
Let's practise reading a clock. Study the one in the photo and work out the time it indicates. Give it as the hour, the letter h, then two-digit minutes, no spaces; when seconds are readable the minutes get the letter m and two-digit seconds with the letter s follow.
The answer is 6h12
